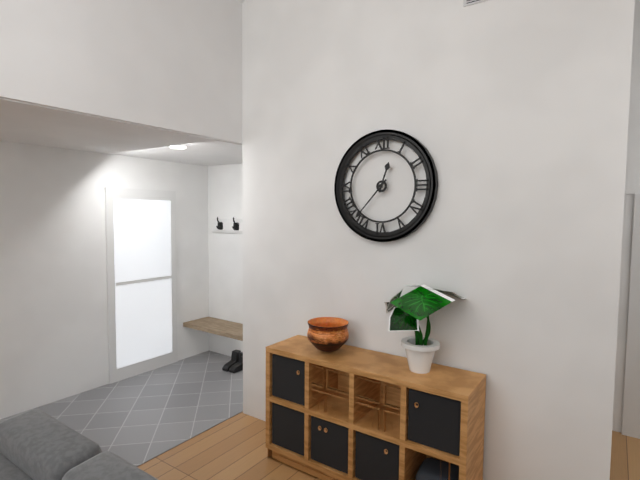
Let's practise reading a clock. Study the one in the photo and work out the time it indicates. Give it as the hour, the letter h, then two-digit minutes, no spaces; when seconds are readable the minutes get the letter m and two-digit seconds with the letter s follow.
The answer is 12h37
